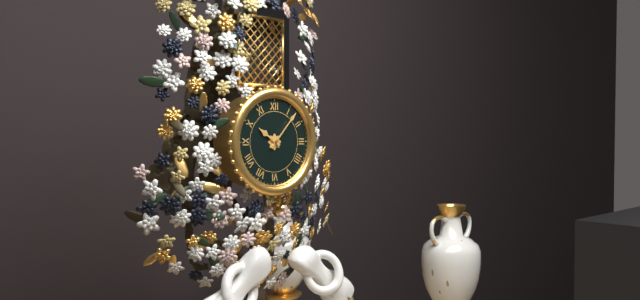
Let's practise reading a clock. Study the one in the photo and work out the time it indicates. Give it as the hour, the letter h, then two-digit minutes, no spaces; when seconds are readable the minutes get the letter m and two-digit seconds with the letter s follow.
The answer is 10h07
